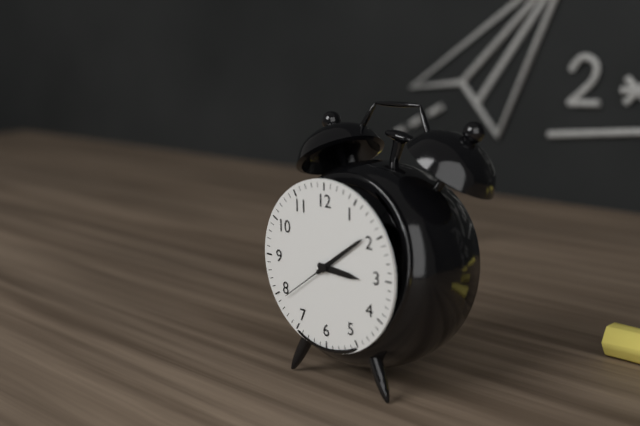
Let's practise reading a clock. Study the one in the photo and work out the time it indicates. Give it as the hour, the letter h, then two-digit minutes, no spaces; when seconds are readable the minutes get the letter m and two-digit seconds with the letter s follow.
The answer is 3h09m39s
